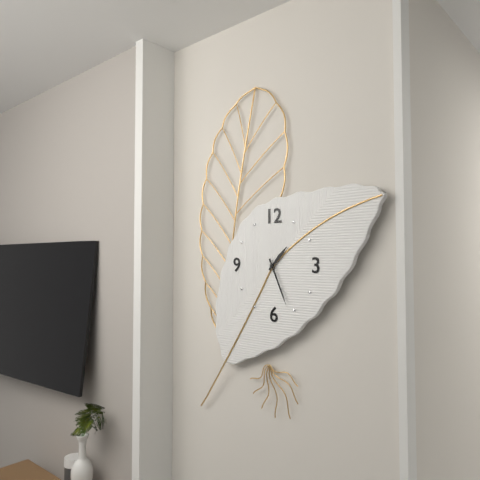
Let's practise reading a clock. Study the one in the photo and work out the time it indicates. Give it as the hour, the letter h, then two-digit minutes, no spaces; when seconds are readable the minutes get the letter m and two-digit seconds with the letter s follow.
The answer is 1h26
